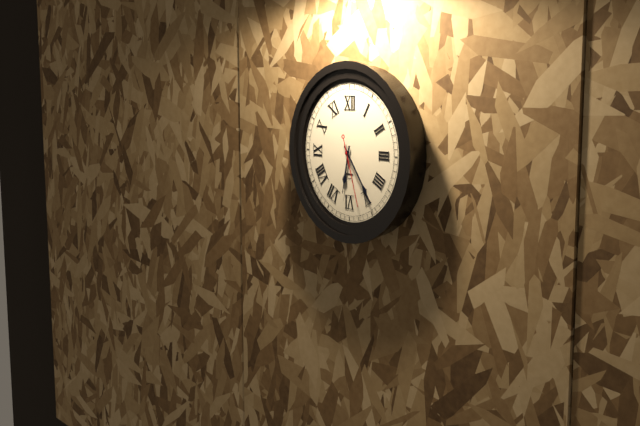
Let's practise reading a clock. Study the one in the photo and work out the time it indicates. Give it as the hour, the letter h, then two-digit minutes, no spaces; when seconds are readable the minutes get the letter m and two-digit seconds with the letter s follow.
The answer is 6h24m27s
